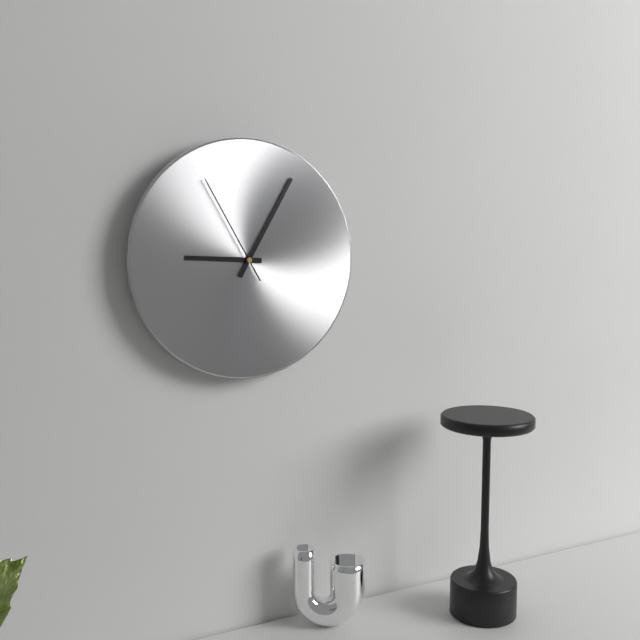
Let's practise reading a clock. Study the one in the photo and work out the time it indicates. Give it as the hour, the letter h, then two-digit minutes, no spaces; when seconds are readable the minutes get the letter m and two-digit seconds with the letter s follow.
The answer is 9h05m55s
